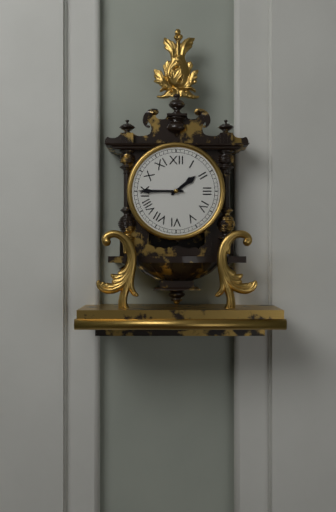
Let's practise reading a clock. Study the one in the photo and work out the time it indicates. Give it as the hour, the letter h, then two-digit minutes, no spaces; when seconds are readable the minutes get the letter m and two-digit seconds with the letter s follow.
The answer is 1h45
